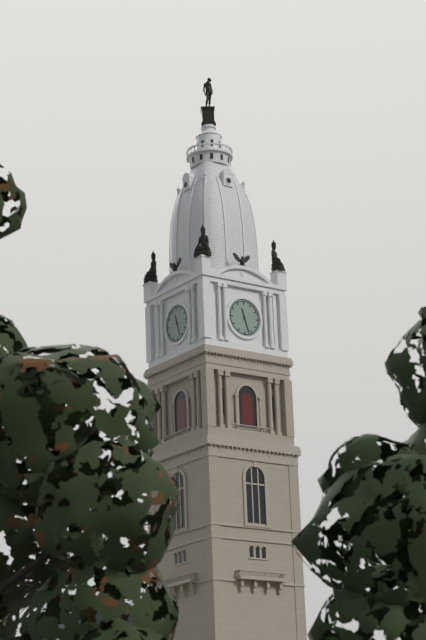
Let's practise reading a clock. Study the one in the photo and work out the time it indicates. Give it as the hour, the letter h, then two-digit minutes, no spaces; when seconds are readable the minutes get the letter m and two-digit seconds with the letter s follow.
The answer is 11h27
